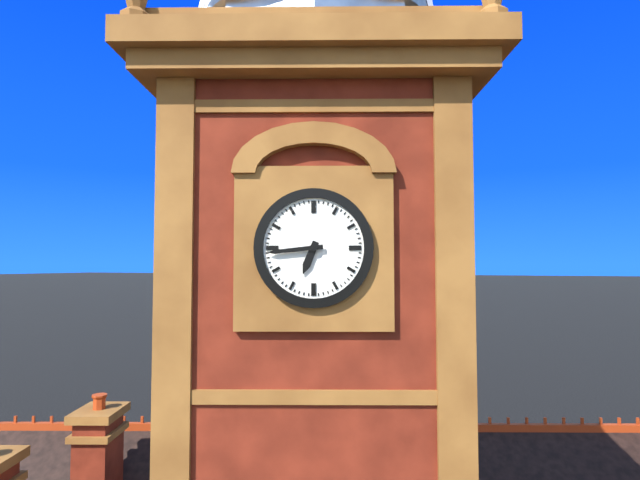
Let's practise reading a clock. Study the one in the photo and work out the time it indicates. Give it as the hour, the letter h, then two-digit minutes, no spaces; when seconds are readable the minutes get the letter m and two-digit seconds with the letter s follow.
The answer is 6h44
